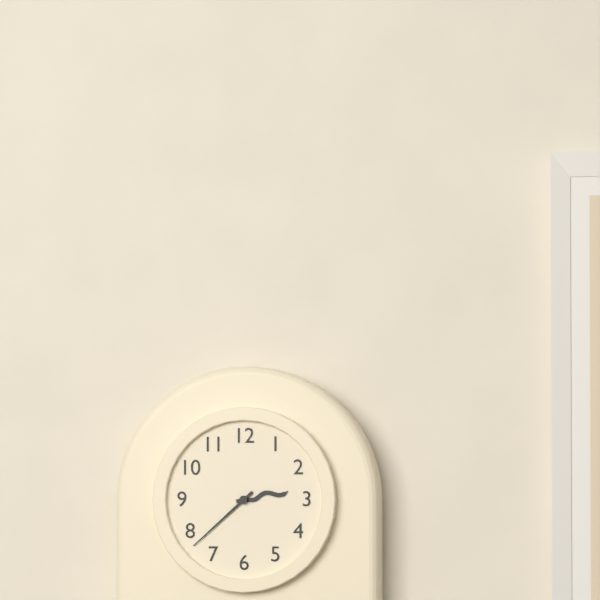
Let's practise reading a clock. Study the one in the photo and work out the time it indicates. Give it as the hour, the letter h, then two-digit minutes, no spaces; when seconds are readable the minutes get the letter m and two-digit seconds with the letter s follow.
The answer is 2h38
